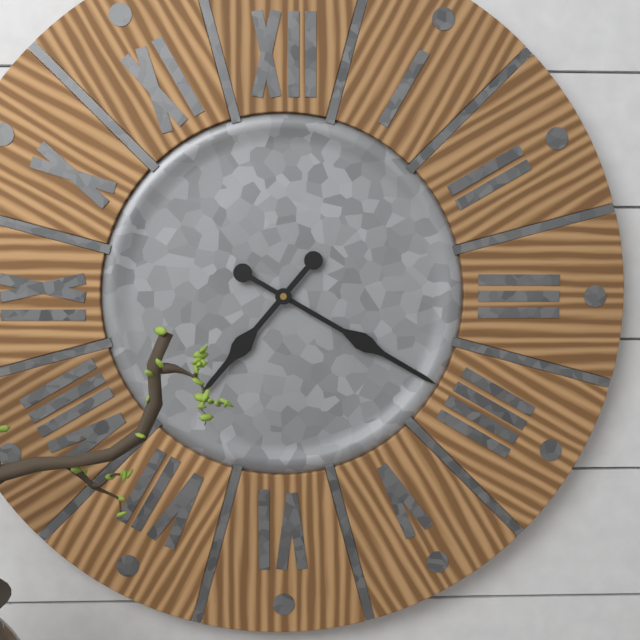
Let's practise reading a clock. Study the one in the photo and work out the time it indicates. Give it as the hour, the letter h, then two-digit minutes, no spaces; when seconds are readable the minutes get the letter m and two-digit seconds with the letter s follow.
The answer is 7h20
